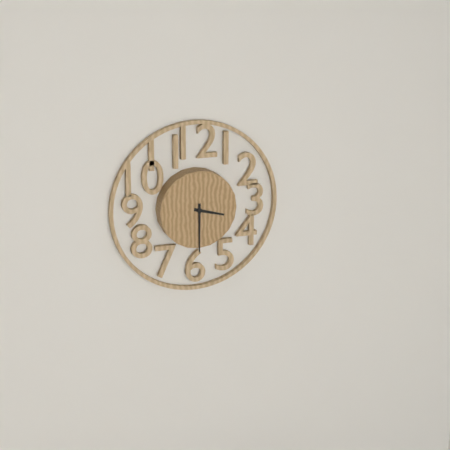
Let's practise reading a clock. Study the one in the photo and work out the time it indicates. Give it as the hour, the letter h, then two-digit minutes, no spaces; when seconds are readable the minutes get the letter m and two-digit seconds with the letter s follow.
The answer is 3h30
